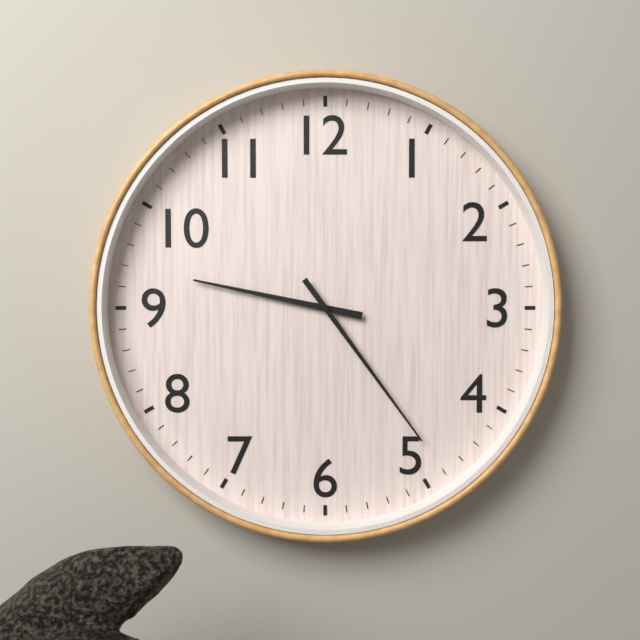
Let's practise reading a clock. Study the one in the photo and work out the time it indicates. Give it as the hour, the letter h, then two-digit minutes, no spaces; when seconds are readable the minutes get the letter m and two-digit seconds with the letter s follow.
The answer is 9h24
